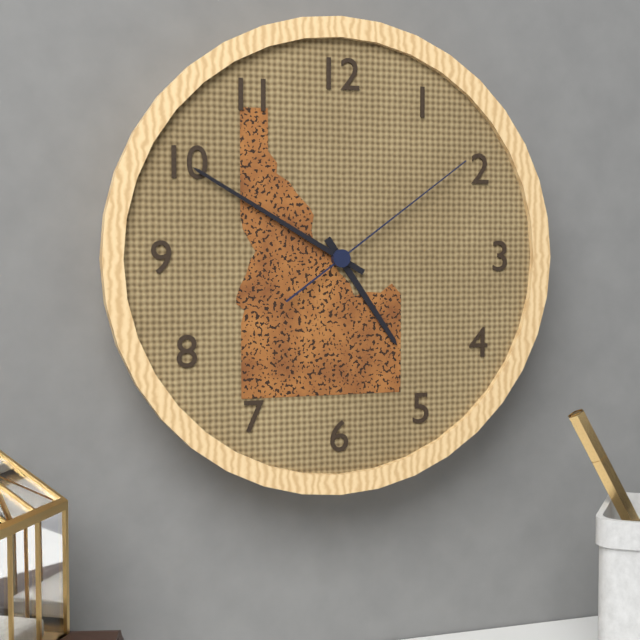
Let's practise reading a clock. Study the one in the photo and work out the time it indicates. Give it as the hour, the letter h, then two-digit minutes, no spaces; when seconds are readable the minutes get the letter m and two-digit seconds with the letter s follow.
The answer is 4h50m09s
